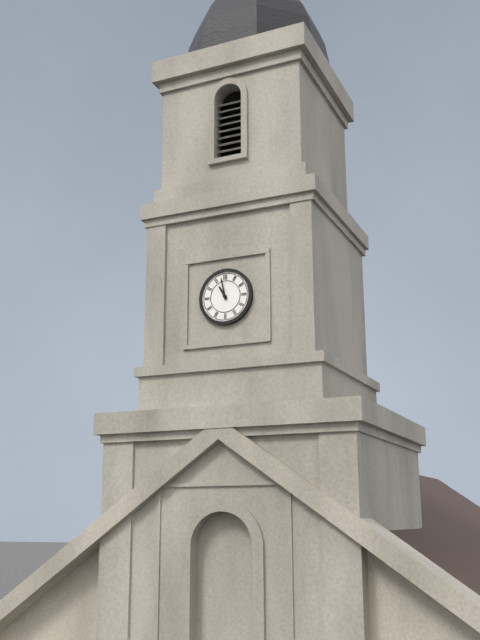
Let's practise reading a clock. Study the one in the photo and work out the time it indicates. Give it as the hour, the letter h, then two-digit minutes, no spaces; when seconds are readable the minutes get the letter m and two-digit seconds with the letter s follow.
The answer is 10h58
